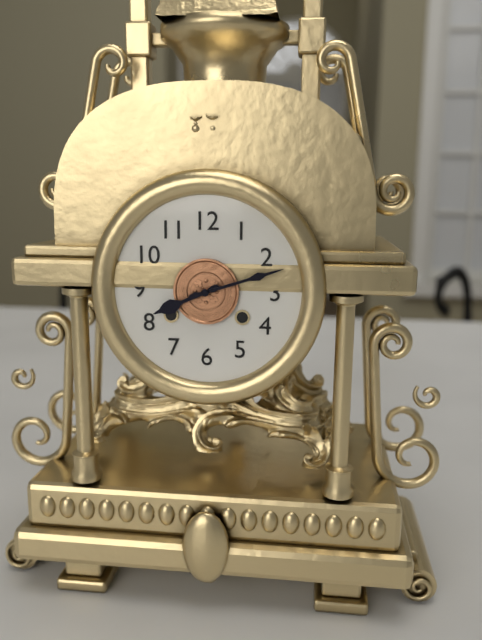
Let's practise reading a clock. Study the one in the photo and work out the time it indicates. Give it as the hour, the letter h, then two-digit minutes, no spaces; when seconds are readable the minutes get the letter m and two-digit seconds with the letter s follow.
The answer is 8h12
